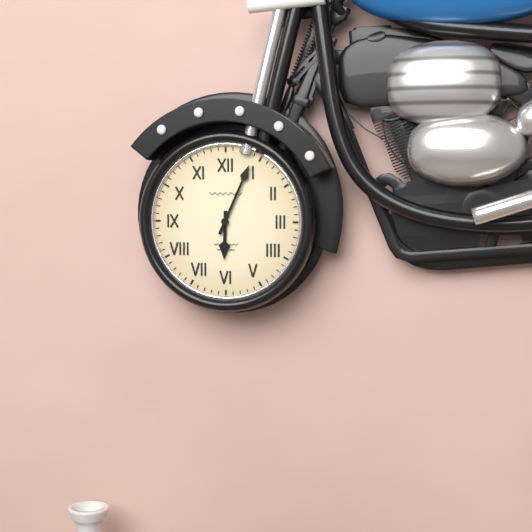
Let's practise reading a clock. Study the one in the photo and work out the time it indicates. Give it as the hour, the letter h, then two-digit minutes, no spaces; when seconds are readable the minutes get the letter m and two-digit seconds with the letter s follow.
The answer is 6h04
